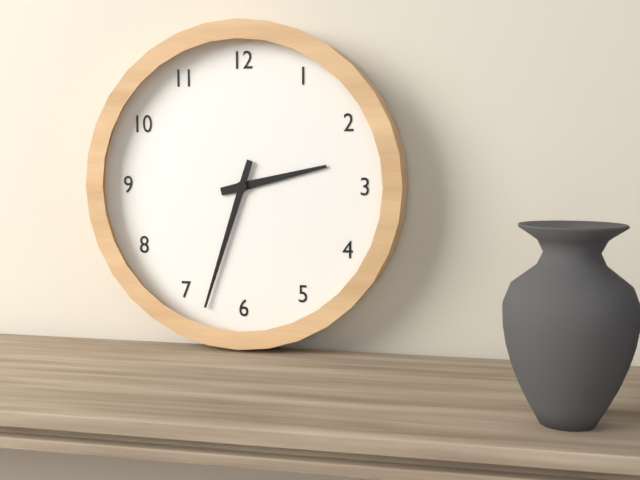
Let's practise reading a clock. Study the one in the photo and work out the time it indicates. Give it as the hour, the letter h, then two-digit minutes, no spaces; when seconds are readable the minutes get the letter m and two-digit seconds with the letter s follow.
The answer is 2h33
